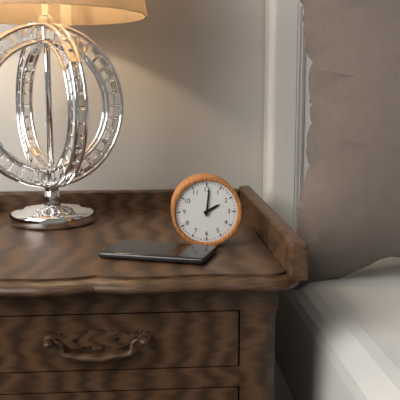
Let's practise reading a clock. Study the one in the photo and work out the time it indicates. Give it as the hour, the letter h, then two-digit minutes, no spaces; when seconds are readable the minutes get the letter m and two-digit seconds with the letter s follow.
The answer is 2h01
